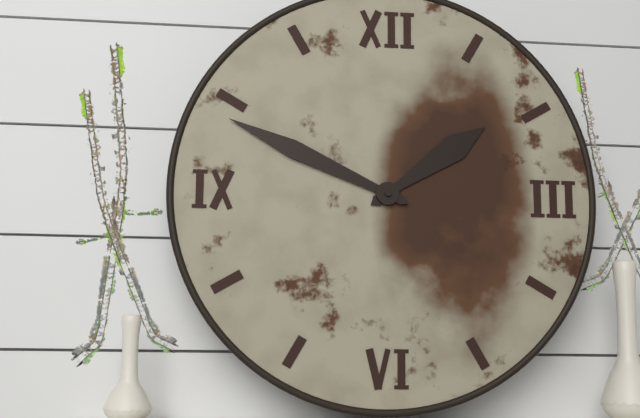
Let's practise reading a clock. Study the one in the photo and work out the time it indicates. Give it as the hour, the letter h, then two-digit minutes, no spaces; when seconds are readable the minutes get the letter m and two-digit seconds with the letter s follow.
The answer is 1h49
